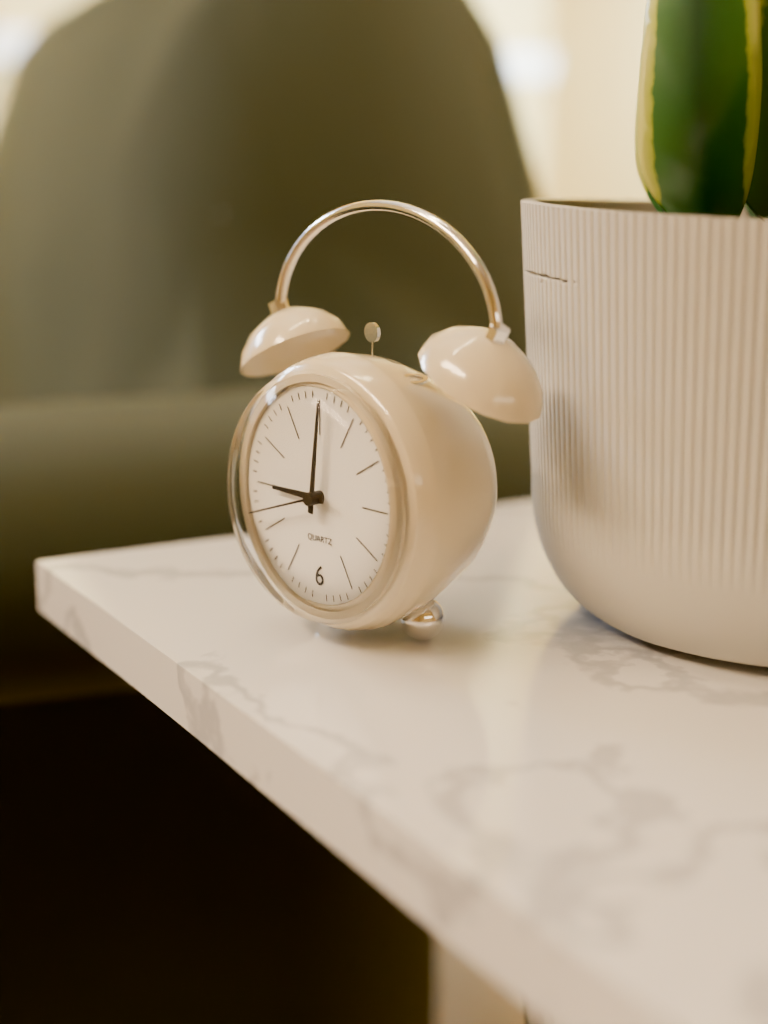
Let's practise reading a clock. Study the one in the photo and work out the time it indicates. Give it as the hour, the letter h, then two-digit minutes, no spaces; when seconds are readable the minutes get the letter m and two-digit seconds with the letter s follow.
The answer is 9h01m42s
